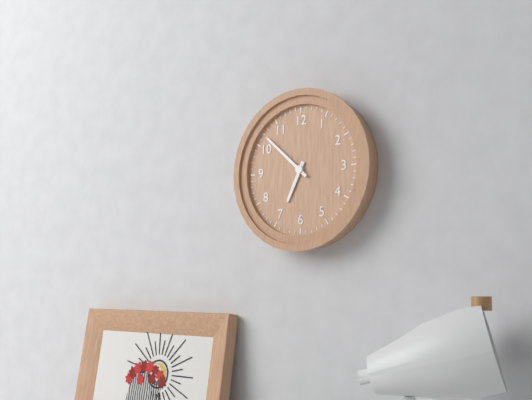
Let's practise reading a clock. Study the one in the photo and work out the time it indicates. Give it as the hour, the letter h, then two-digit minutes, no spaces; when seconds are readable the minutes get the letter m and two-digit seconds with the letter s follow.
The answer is 6h52
